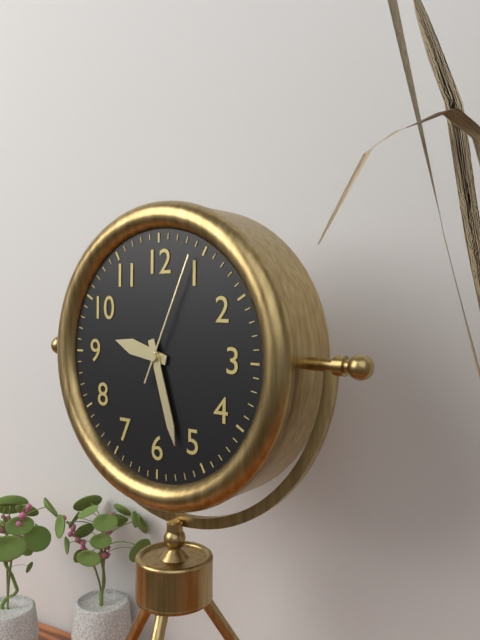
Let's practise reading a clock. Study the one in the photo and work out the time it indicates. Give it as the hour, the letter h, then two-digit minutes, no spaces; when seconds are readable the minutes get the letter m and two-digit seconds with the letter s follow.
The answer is 9h27m04s
